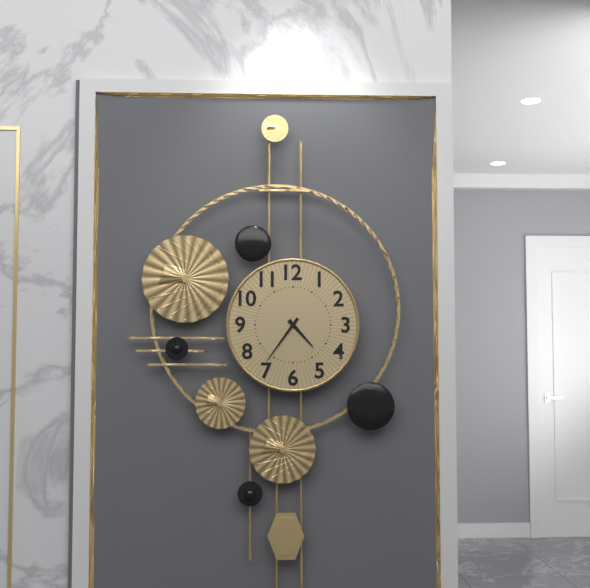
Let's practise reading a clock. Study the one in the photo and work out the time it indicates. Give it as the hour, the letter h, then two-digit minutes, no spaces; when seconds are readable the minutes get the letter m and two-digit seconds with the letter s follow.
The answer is 4h36
